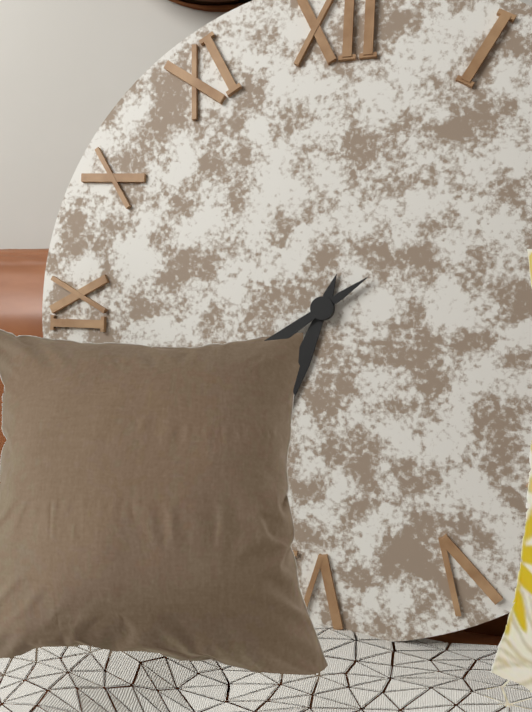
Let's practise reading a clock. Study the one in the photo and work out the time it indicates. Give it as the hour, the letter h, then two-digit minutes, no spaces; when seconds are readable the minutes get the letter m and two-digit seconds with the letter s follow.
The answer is 6h39
